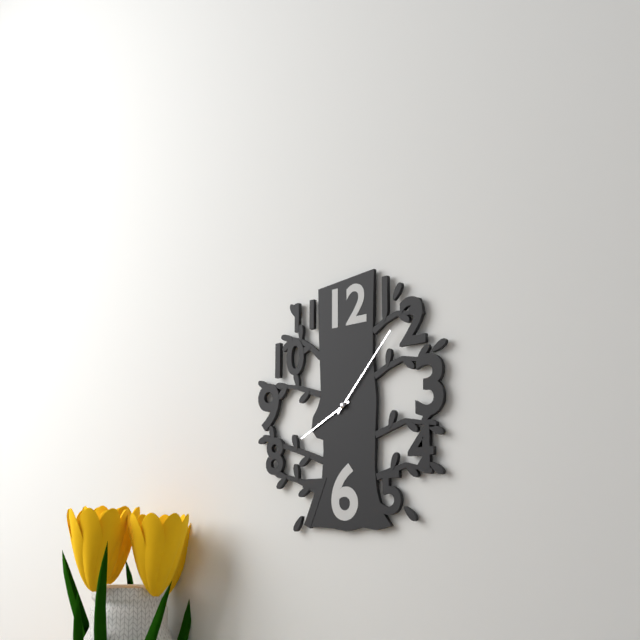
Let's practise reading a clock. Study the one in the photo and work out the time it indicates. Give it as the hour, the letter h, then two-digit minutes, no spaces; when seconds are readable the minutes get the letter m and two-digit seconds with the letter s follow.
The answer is 8h07
